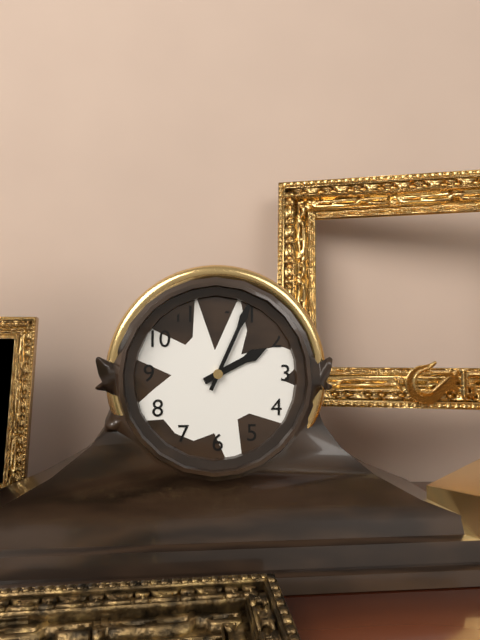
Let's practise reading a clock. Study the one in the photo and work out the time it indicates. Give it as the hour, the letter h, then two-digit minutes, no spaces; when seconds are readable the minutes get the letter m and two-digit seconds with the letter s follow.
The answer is 2h04
